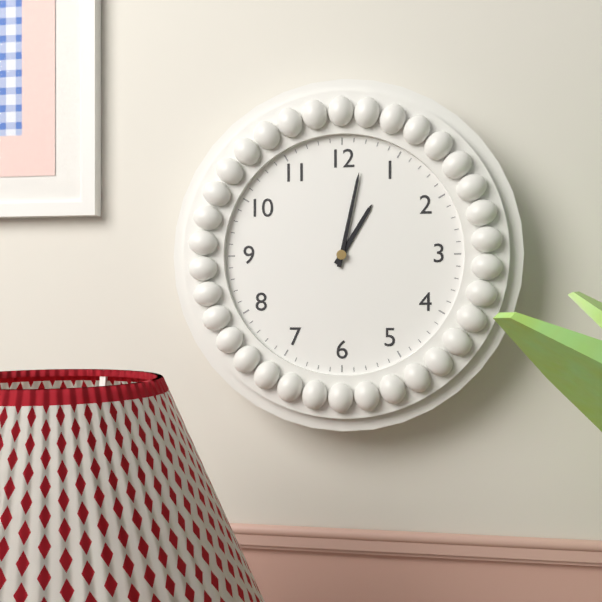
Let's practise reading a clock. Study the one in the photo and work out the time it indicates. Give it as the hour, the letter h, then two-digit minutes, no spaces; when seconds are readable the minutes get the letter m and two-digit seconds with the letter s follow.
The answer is 1h02
